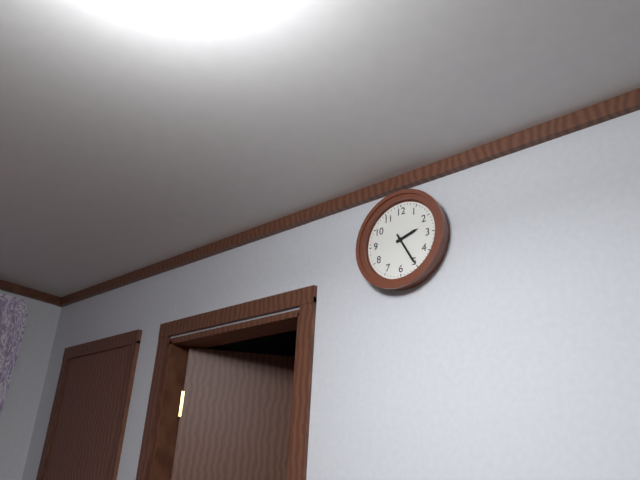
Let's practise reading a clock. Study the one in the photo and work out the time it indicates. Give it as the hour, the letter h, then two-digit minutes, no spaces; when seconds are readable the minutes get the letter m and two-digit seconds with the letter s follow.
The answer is 2h25
